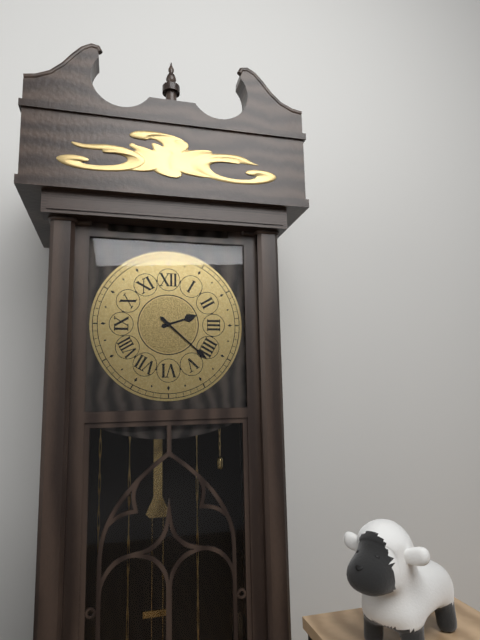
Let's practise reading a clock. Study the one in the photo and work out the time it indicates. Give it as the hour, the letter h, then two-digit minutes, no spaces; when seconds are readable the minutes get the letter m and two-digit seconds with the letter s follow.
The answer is 2h22
